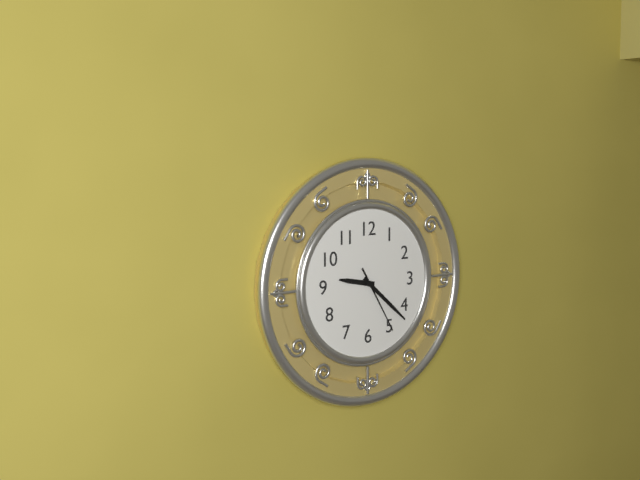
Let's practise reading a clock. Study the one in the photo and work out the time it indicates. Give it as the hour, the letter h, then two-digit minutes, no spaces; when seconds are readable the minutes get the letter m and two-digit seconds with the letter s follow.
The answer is 9h22m25s
